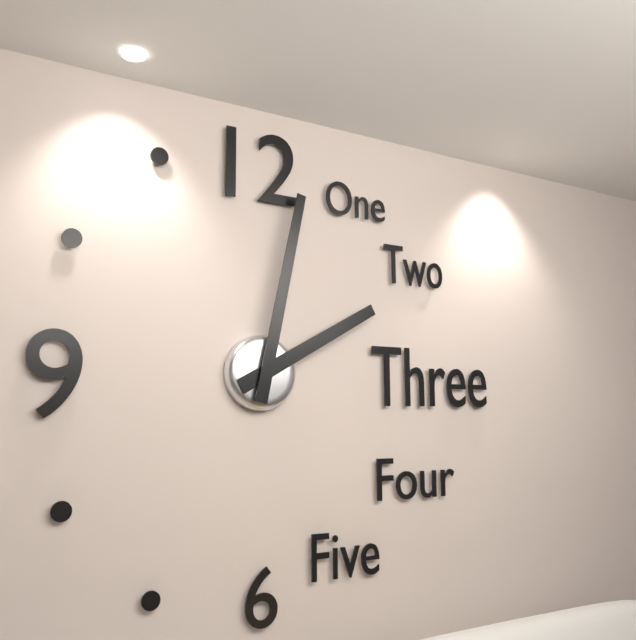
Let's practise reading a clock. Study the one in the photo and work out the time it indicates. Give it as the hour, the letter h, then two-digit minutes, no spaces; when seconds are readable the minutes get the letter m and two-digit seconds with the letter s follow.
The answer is 2h02
